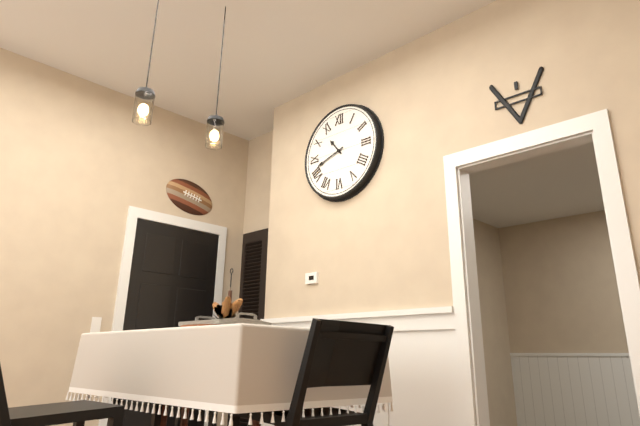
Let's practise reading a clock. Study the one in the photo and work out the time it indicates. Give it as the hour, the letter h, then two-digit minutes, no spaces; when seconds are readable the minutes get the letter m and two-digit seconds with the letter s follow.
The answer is 10h42
